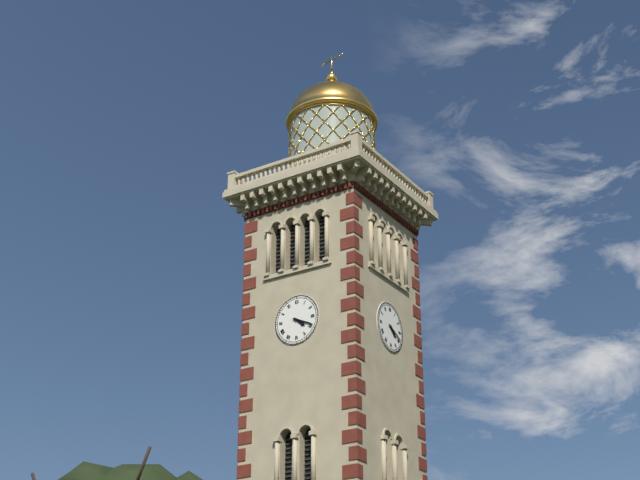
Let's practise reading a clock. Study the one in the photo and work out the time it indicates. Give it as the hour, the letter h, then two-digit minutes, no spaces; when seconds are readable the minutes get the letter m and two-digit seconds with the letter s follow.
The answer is 4h19
